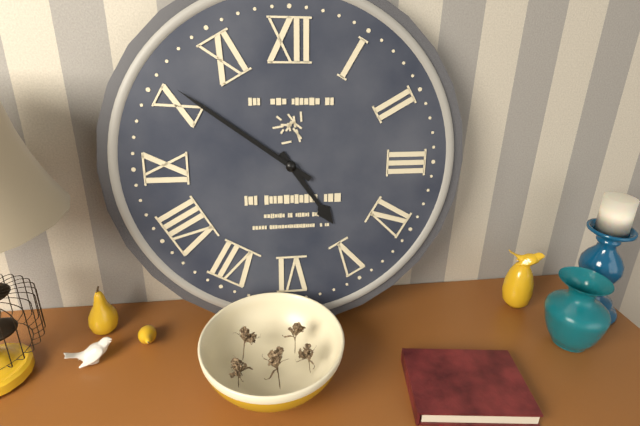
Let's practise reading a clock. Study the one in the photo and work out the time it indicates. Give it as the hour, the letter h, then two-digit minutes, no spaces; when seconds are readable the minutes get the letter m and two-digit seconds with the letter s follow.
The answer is 4h51
